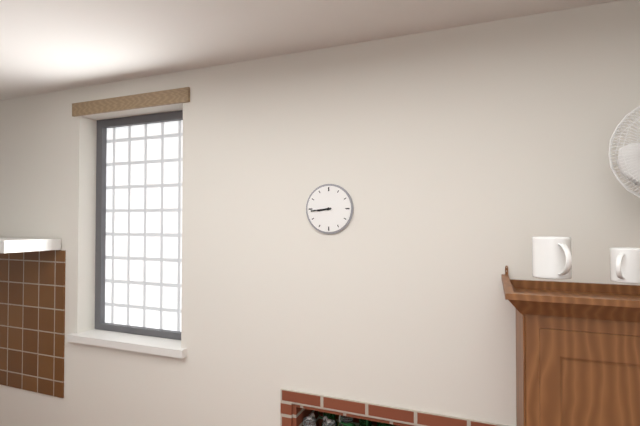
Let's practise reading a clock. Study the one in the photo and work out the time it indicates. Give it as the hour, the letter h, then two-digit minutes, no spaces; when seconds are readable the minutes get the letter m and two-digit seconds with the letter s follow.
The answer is 8h44
